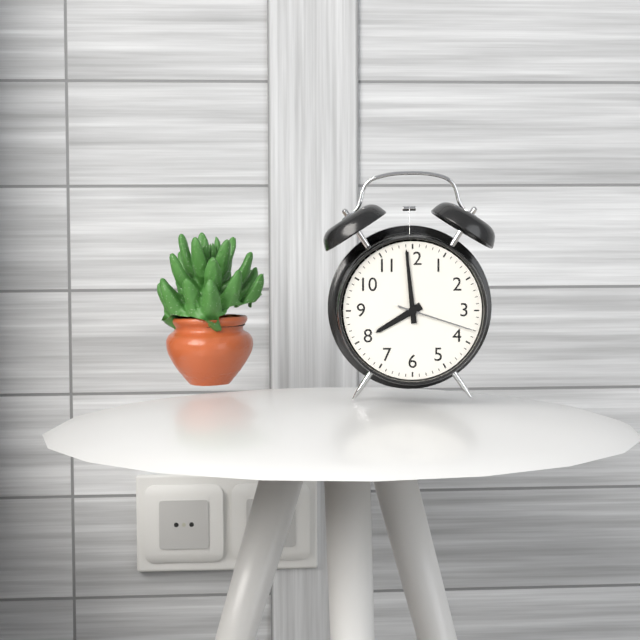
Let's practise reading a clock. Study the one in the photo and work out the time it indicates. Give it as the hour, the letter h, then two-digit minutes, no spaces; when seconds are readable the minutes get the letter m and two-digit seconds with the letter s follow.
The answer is 7h59m18s
